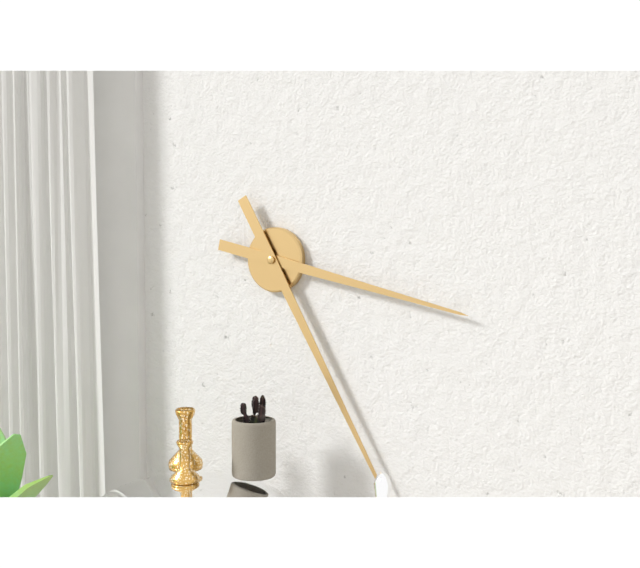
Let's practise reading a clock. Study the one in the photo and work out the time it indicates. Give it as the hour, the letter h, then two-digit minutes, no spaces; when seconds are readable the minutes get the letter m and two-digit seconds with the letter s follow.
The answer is 3h25
